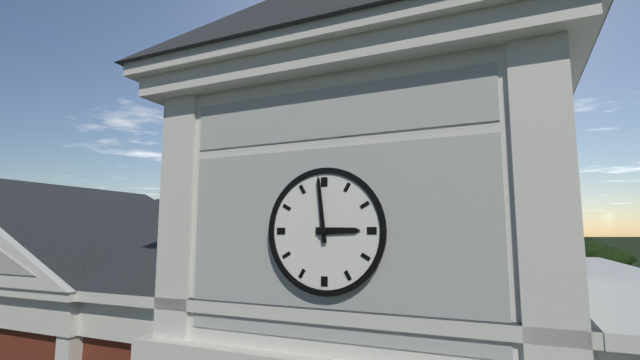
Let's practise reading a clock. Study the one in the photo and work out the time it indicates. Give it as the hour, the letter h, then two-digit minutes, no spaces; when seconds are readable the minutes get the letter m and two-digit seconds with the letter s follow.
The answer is 2h59
